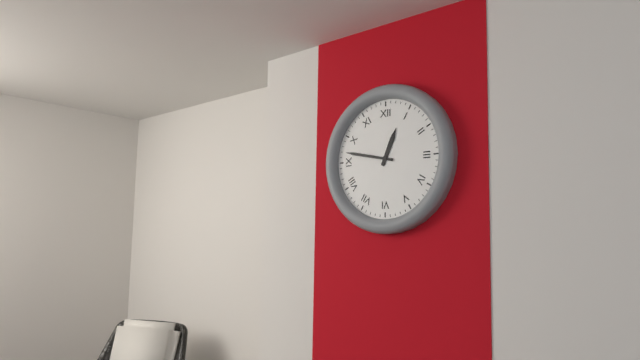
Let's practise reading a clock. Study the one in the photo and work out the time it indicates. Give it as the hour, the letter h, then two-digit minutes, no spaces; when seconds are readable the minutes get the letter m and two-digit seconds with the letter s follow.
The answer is 12h47
